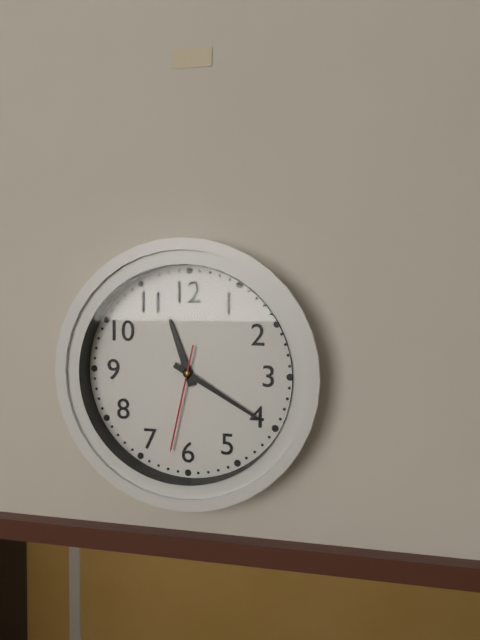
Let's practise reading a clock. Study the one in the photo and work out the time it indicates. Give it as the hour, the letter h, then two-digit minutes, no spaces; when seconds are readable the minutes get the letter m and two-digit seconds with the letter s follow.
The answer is 11h20m32s
